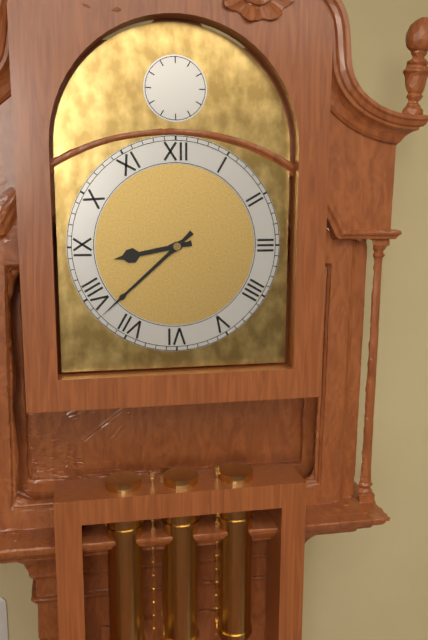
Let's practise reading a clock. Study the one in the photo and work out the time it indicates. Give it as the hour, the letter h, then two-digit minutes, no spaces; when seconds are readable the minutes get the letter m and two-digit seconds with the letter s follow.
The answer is 8h38
